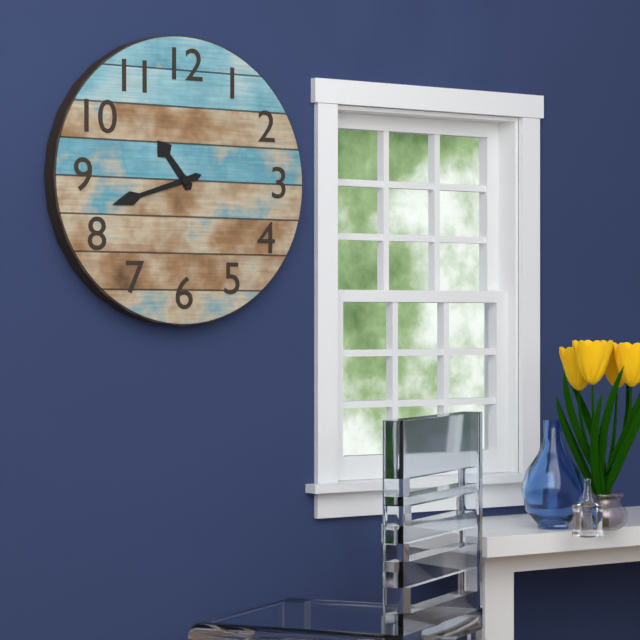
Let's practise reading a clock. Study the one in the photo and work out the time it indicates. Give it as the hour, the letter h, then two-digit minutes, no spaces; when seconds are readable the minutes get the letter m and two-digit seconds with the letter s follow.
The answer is 10h42
